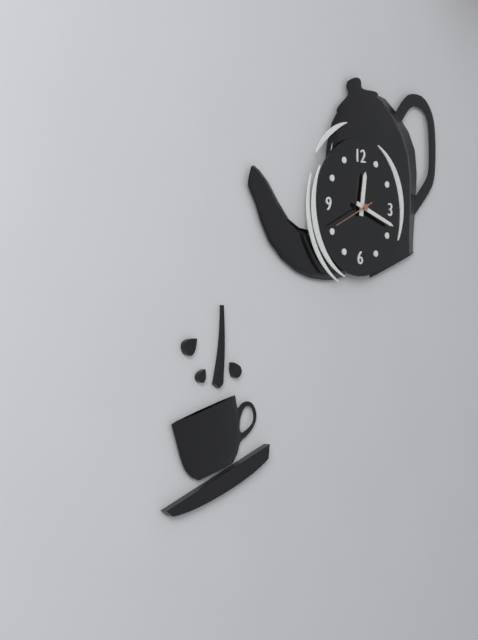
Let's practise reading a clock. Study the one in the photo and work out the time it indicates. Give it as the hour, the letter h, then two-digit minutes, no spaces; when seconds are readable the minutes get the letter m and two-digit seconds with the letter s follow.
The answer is 12h18
